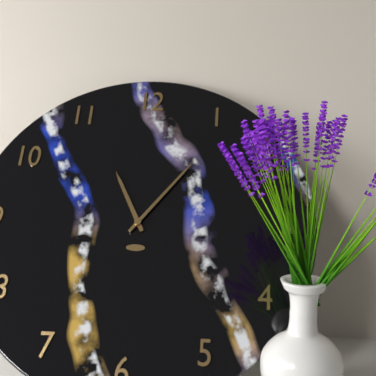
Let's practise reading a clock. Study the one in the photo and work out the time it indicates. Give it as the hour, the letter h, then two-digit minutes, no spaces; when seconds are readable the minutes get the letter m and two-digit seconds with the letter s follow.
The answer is 11h06
